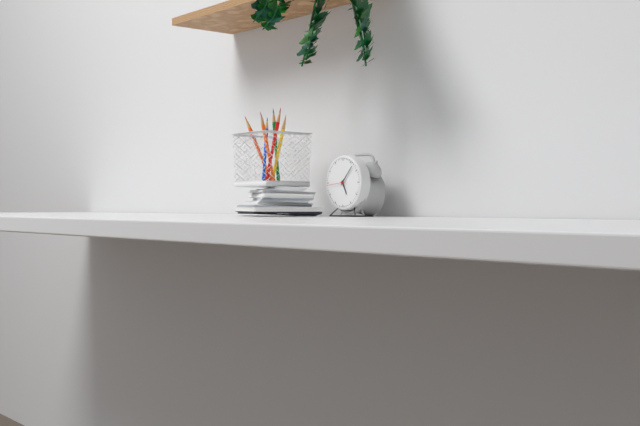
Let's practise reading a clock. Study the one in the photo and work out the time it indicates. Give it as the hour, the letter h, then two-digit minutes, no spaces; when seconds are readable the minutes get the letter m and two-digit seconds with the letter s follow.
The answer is 5h07
